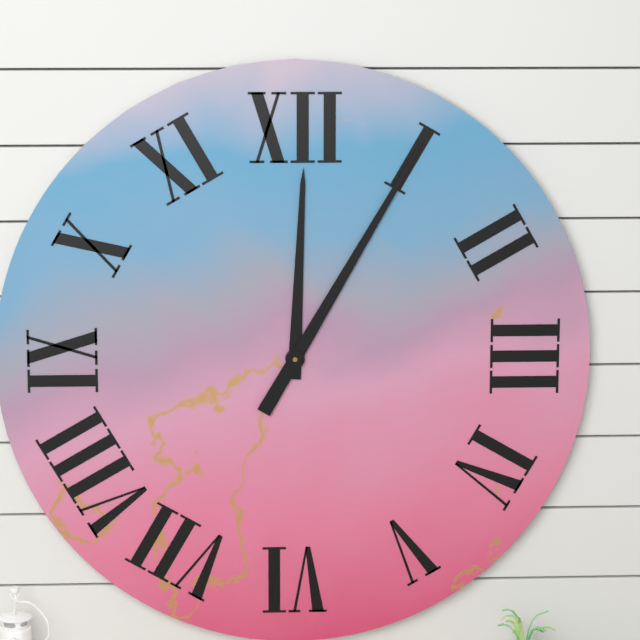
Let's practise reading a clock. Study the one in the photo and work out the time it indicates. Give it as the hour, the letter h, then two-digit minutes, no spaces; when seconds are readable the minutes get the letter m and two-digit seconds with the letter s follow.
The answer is 12h05
